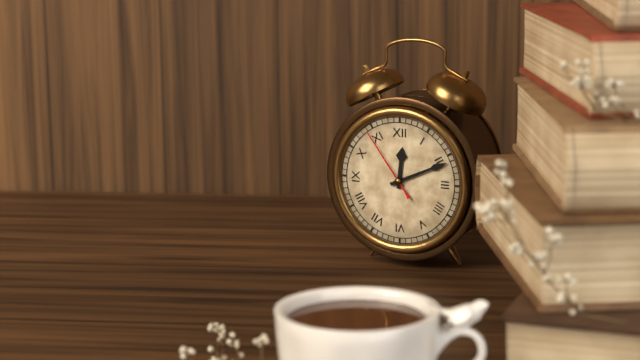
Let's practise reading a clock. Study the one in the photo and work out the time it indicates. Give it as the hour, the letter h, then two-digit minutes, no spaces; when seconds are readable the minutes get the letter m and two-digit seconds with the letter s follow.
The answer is 12h11m54s
